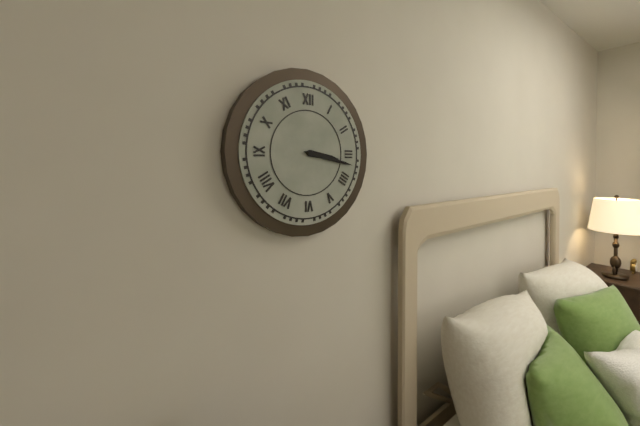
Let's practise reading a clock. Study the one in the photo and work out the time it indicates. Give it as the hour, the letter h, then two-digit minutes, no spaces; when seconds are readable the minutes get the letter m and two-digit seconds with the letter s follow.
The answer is 3h17
